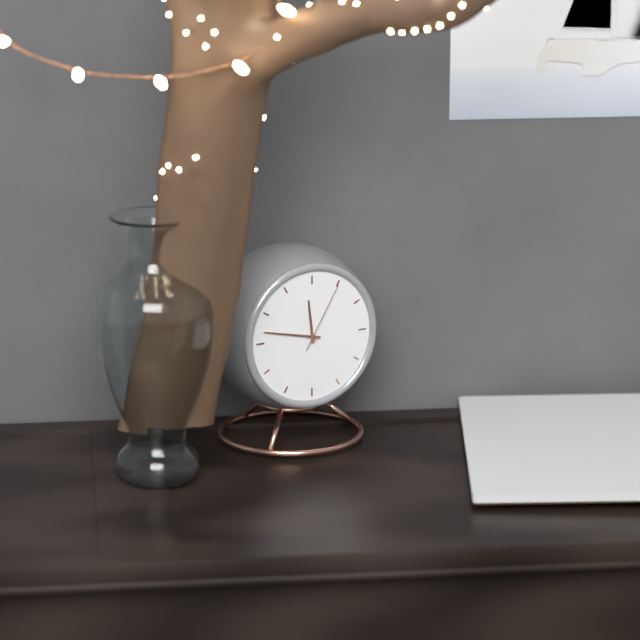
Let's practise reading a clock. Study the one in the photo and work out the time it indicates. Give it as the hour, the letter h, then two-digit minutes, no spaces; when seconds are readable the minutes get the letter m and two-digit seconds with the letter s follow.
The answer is 11h47m05s
